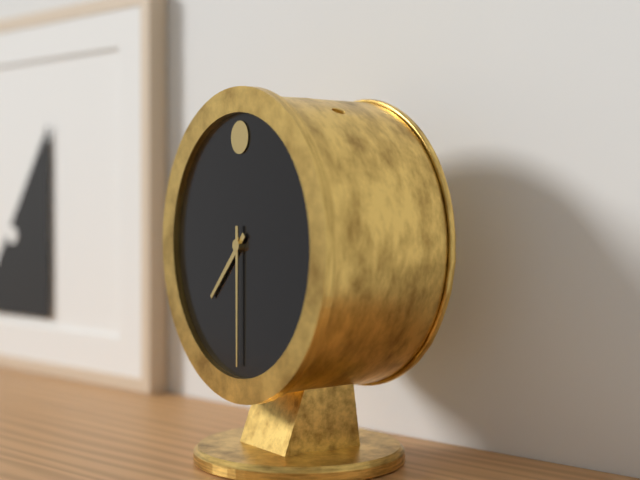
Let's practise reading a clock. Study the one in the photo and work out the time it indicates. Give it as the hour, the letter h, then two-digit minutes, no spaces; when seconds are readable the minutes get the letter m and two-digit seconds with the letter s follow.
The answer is 7h30
